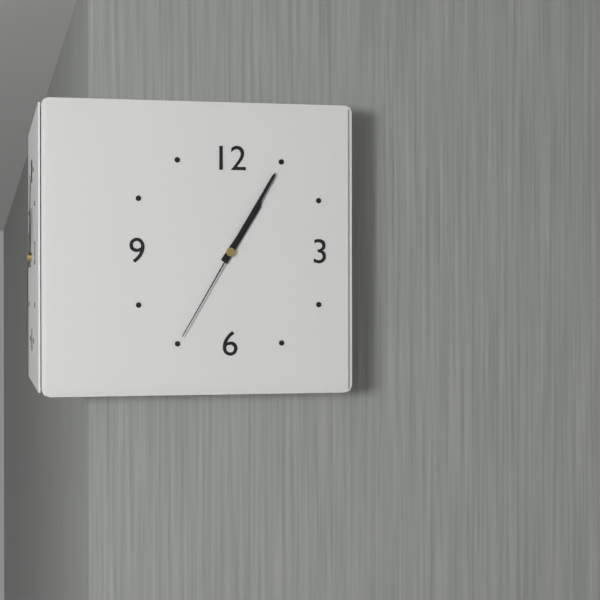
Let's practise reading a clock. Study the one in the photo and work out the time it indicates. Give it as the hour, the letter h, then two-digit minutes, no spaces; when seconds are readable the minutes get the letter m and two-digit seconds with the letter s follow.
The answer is 1h05m35s
